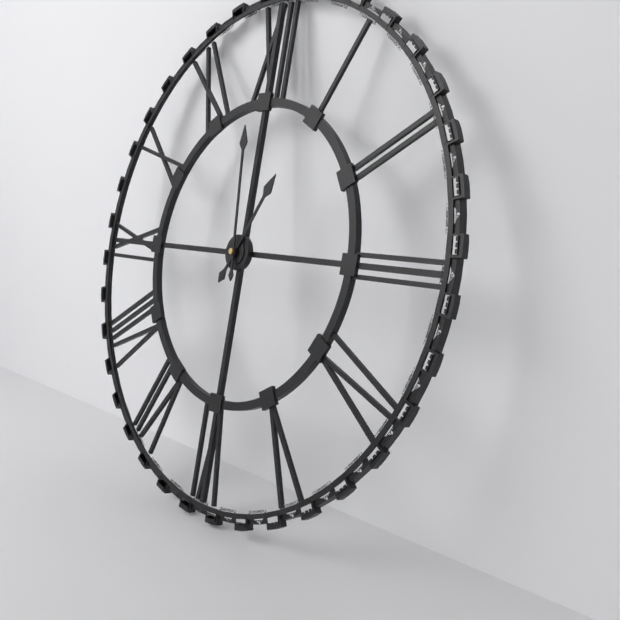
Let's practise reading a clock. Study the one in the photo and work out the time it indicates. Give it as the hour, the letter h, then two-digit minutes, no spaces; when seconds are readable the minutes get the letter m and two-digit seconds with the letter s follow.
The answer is 12h59
